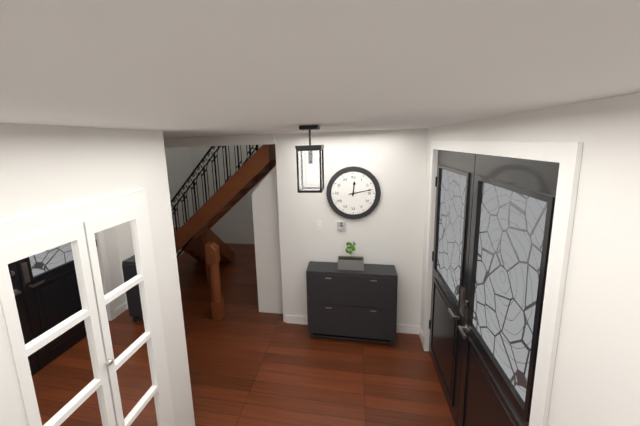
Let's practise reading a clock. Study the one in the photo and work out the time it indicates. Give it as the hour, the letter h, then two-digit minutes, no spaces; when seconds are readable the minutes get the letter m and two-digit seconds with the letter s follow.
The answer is 12h13
